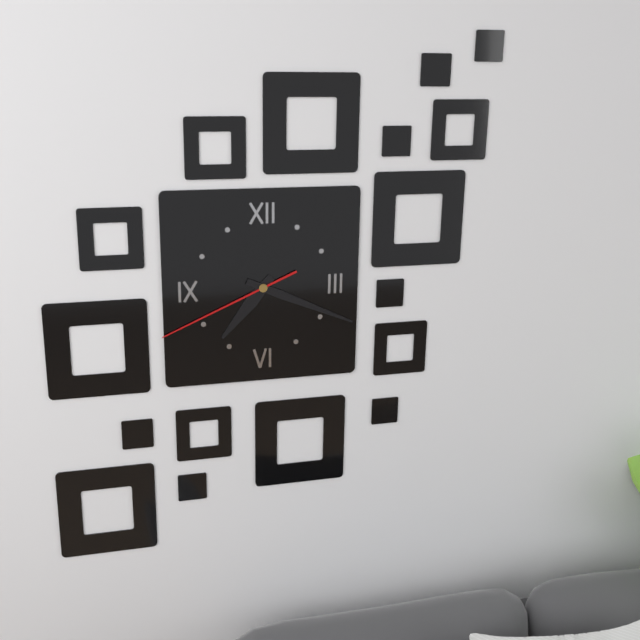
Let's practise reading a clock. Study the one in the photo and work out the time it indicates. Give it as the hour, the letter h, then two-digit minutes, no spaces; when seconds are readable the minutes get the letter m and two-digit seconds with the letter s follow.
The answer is 7h19m41s
